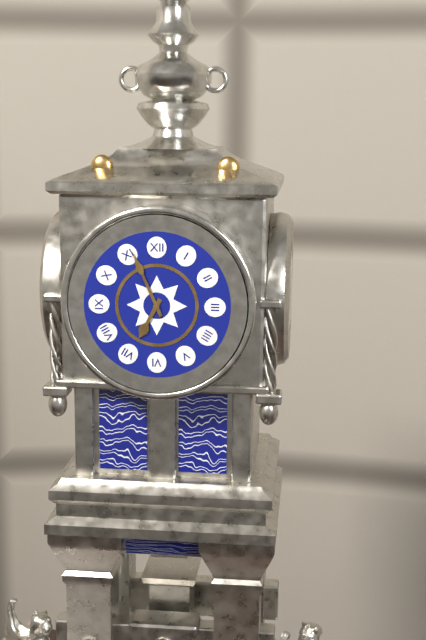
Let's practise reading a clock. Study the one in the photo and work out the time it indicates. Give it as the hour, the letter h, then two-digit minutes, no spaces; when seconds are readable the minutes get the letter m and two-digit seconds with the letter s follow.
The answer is 6h56
